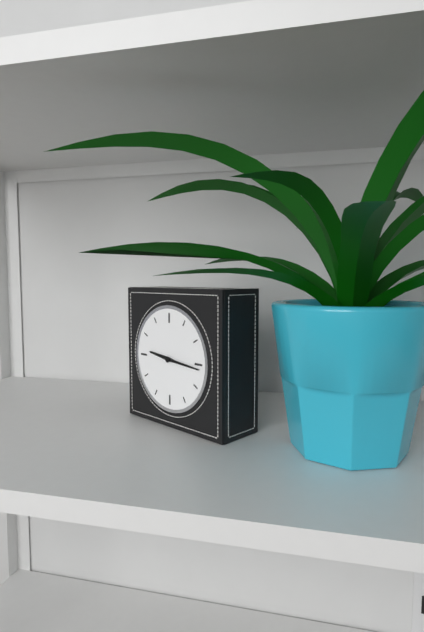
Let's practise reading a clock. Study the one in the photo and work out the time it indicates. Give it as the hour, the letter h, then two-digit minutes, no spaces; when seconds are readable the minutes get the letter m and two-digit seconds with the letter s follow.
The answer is 9h16
